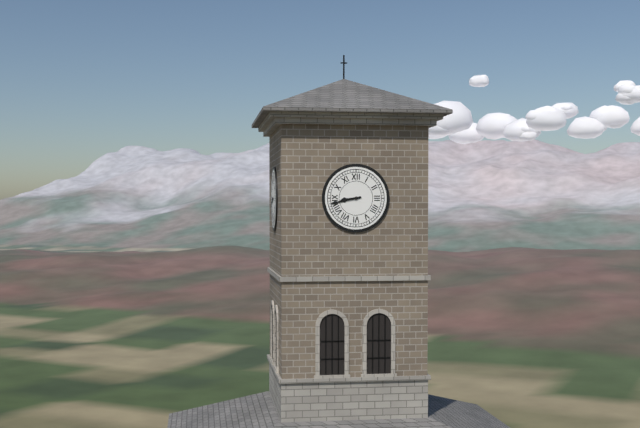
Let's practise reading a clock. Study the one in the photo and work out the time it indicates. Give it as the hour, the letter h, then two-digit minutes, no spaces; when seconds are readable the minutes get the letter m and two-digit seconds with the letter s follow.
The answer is 8h43
